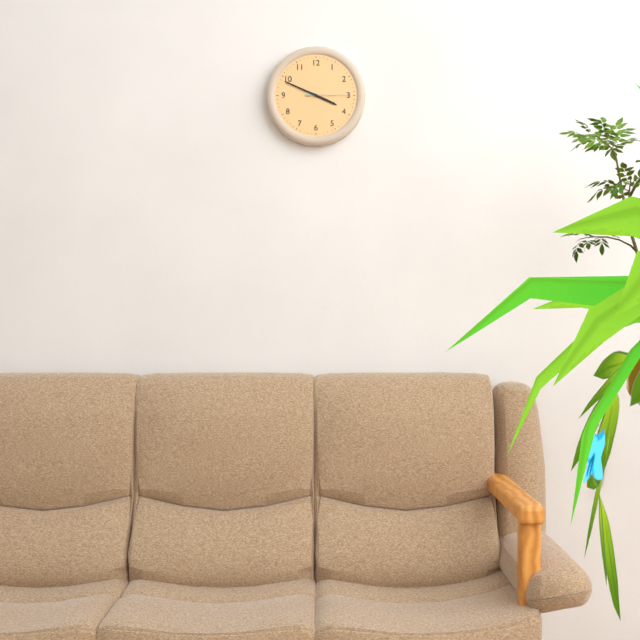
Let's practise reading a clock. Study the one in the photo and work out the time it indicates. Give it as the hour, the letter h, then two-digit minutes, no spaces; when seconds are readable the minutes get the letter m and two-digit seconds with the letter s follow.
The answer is 3h49
